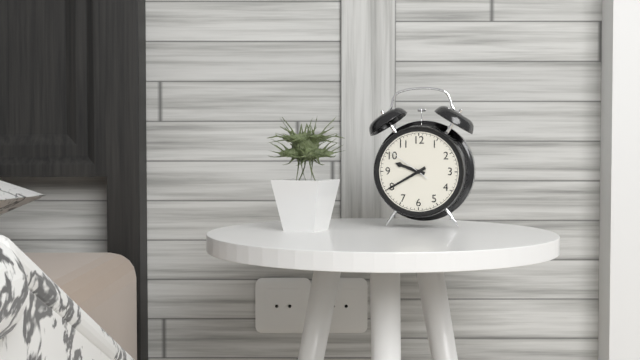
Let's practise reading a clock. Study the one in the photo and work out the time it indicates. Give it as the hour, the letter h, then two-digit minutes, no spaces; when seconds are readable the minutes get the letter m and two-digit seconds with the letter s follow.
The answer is 9h40
